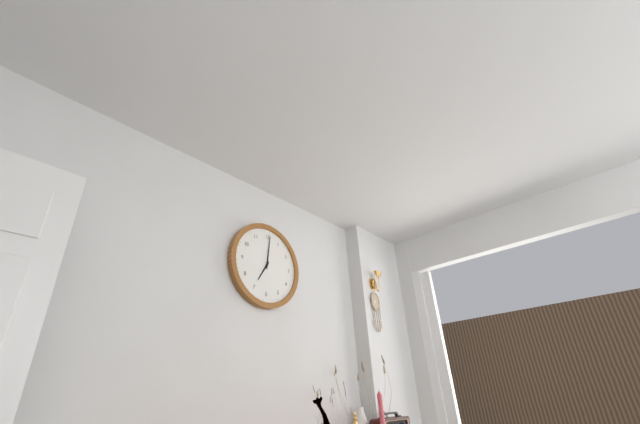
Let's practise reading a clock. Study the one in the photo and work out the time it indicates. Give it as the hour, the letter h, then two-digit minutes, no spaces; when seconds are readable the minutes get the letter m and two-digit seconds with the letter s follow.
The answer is 7h01
